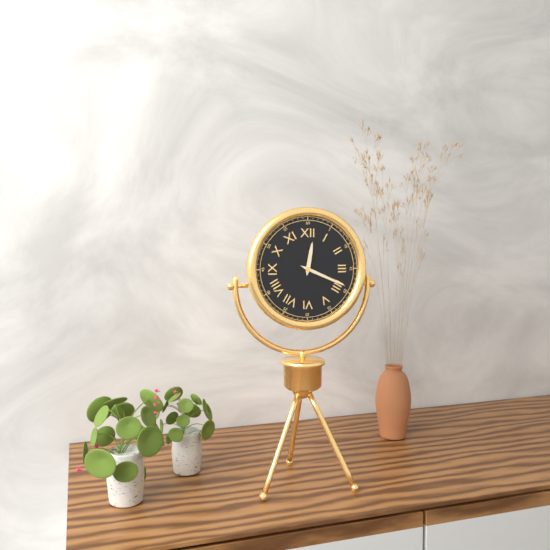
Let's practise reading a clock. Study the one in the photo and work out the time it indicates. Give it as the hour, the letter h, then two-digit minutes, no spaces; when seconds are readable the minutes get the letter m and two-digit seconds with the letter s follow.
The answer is 12h19
